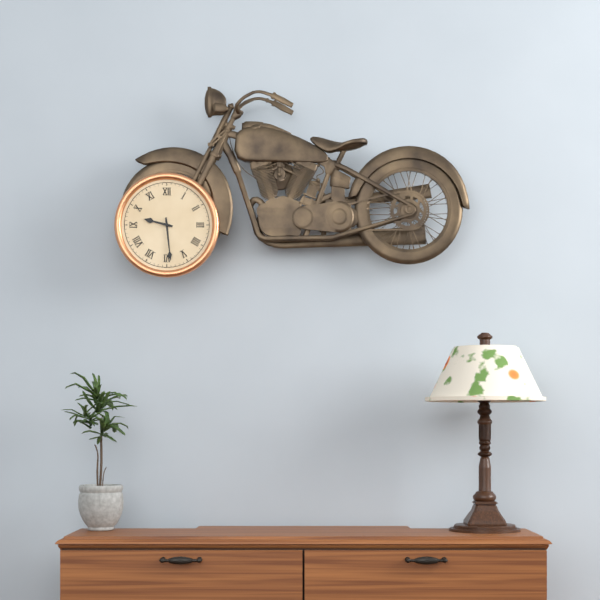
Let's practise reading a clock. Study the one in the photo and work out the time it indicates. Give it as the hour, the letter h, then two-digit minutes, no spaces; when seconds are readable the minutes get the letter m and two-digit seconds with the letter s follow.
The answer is 9h29
